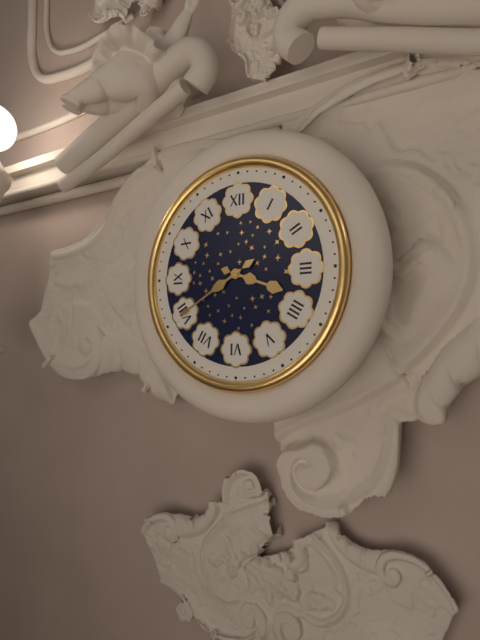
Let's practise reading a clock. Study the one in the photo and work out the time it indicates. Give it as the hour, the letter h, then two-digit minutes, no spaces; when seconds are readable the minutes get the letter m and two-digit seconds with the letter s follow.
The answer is 3h40
